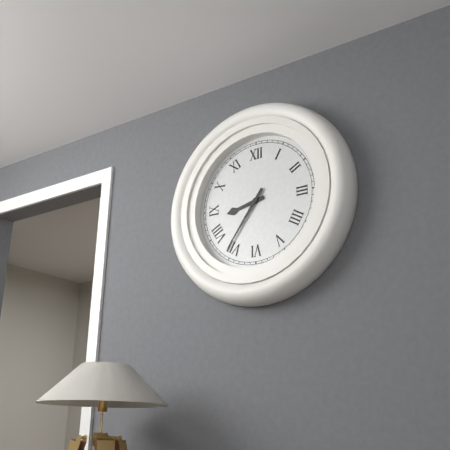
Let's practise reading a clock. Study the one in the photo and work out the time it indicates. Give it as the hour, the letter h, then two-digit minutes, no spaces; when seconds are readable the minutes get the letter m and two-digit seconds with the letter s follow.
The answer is 8h36
